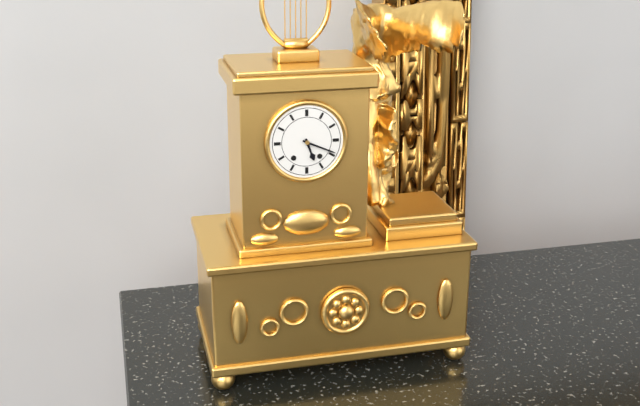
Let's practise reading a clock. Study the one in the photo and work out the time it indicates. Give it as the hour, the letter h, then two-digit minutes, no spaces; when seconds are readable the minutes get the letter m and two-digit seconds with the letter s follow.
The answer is 5h19
